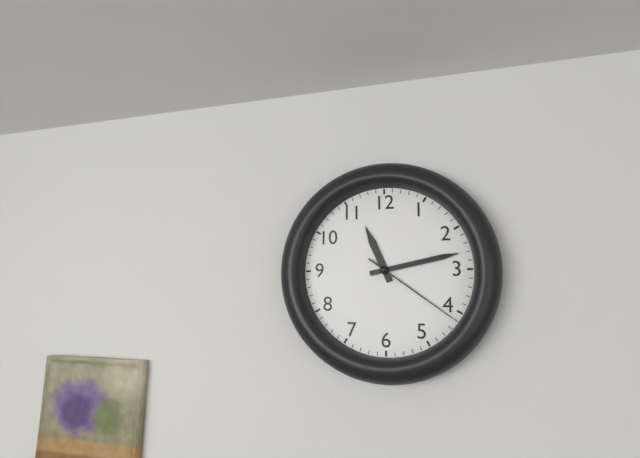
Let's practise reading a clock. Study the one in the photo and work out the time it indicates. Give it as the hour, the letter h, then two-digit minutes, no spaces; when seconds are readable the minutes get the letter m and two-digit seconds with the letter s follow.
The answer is 11h13m21s
